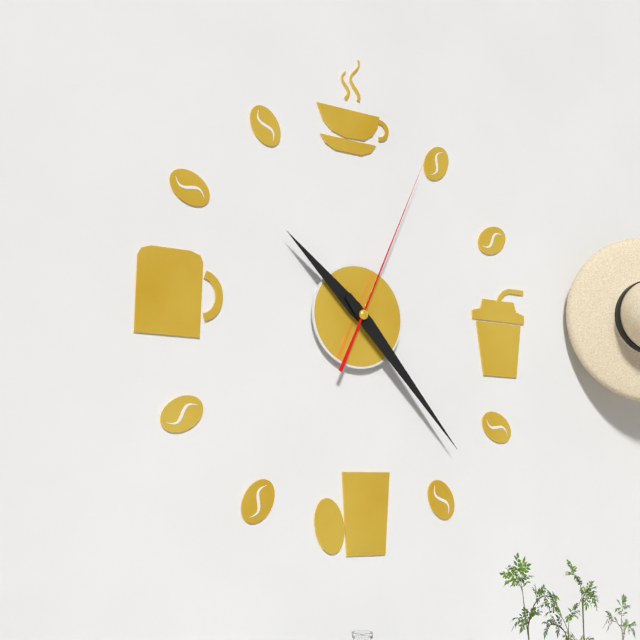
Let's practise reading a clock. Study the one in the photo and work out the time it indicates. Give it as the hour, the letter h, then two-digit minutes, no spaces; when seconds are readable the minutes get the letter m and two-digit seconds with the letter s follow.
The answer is 10h23m04s
